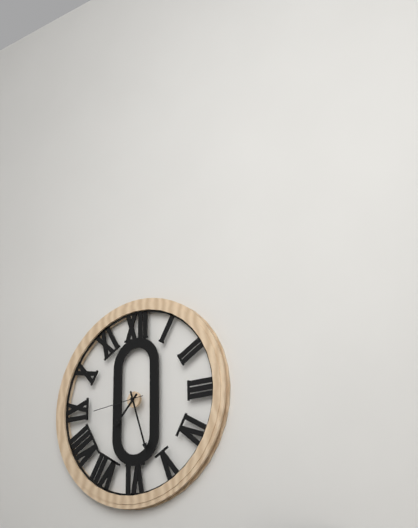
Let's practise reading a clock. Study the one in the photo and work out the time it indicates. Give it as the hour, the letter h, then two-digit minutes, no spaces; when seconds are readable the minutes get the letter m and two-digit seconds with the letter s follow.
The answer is 7h27m44s
